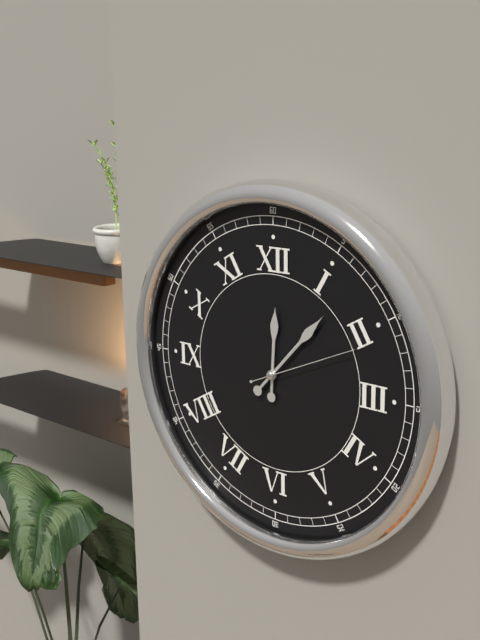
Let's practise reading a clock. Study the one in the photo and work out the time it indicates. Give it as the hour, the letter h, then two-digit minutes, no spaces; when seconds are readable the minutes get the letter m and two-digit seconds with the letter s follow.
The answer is 12h07m11s
